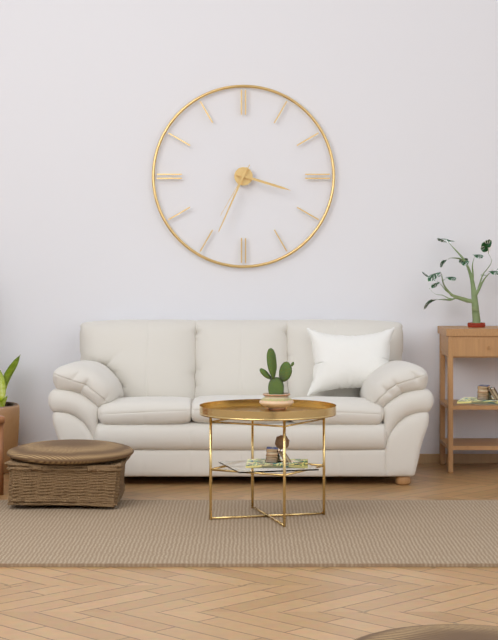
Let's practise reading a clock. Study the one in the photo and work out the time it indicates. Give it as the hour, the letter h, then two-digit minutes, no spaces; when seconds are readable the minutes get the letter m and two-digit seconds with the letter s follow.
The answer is 3h34m35s
